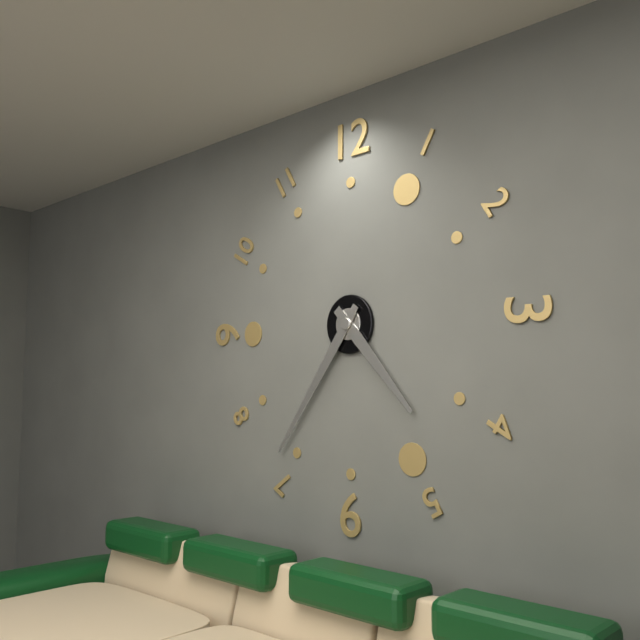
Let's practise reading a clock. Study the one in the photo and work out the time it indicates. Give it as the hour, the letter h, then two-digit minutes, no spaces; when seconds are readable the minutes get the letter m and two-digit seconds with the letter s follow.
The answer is 4h36
